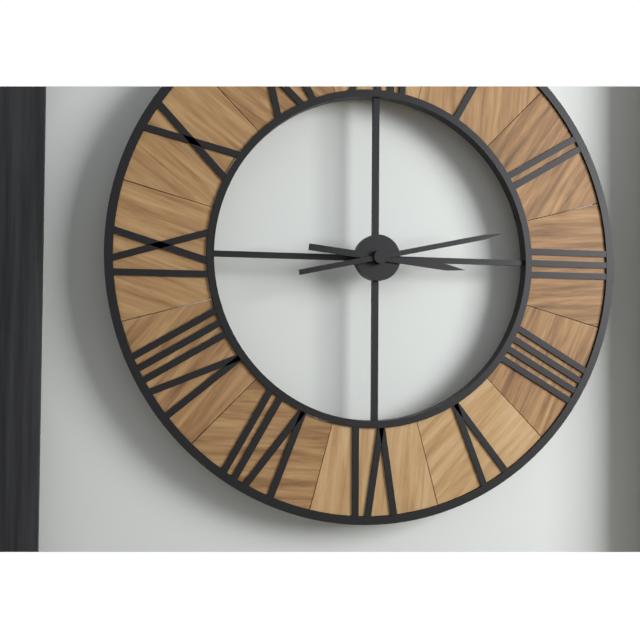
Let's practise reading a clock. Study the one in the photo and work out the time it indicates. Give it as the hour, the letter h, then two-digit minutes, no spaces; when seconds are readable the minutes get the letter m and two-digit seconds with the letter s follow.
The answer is 3h13
